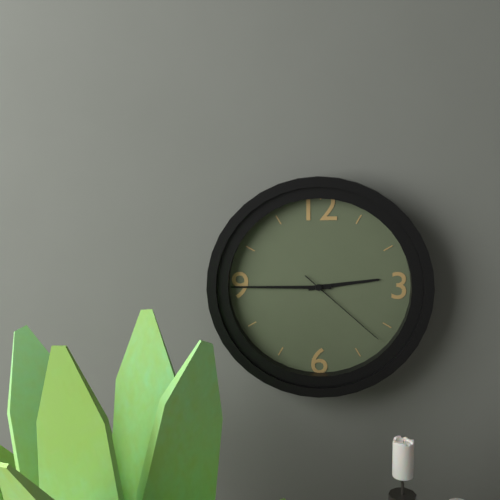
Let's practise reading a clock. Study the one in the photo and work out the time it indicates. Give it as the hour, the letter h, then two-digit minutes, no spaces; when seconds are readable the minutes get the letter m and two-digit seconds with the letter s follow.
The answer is 2h45m22s
